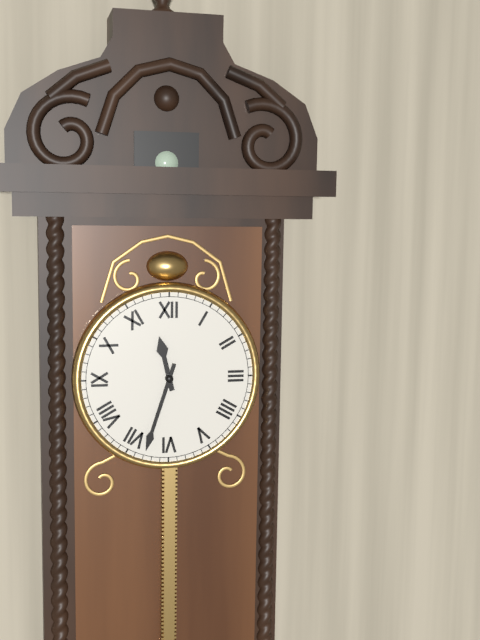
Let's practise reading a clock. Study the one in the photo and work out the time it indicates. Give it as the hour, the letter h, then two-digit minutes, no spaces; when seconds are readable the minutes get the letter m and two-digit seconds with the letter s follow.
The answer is 11h33
